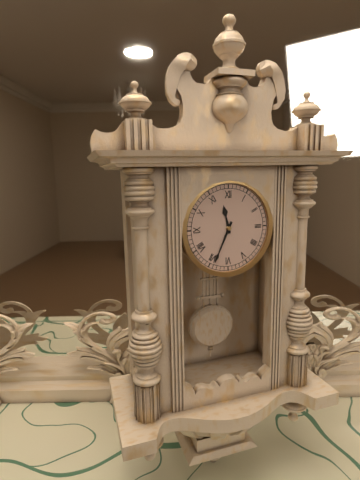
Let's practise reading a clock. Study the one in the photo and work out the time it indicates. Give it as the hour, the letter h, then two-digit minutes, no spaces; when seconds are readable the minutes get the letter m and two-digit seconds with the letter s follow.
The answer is 11h34
